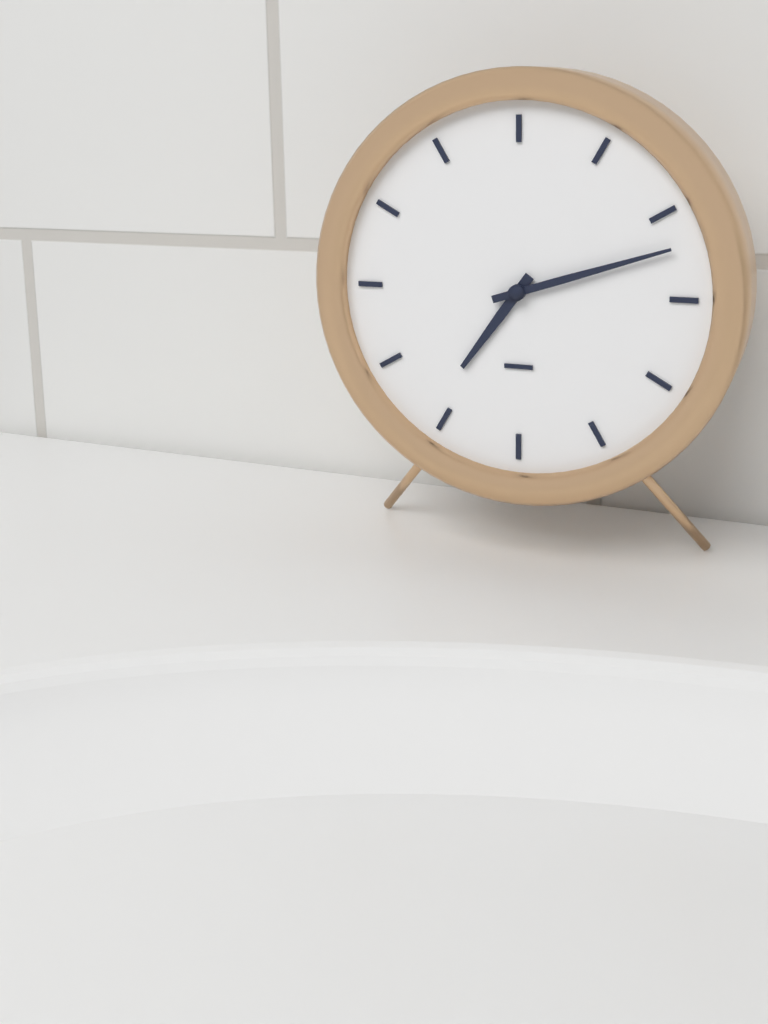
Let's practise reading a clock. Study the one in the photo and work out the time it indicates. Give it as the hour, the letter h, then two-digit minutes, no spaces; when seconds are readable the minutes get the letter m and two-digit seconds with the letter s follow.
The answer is 7h12
